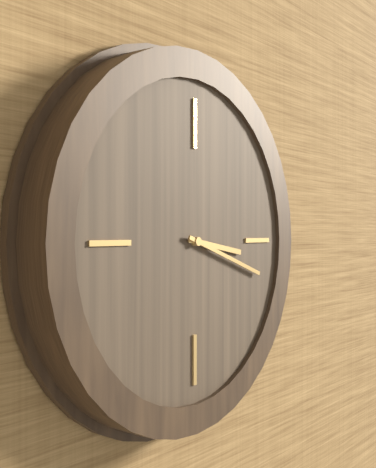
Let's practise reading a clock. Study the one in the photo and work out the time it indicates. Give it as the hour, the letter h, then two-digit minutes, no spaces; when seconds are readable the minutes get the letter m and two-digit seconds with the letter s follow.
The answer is 3h18
